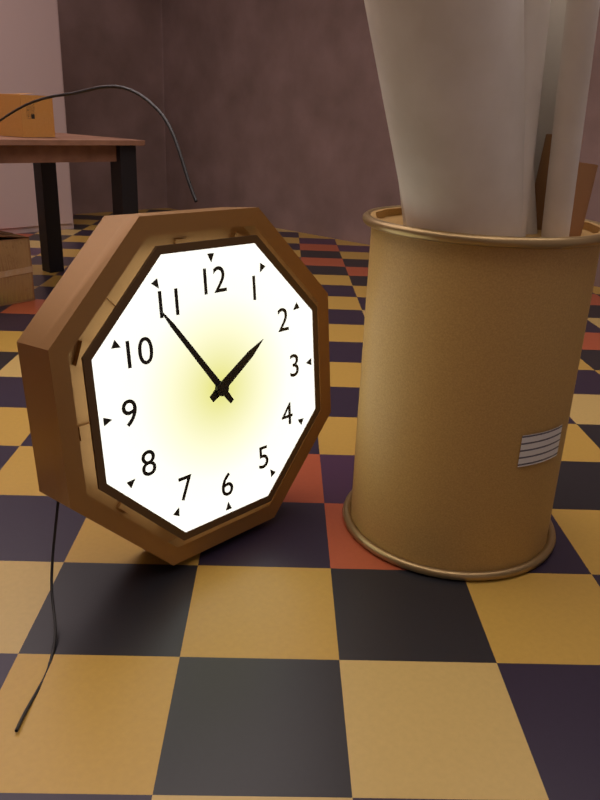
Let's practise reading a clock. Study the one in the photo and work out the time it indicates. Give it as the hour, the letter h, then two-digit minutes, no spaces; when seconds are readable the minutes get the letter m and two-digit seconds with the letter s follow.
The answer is 1h54
